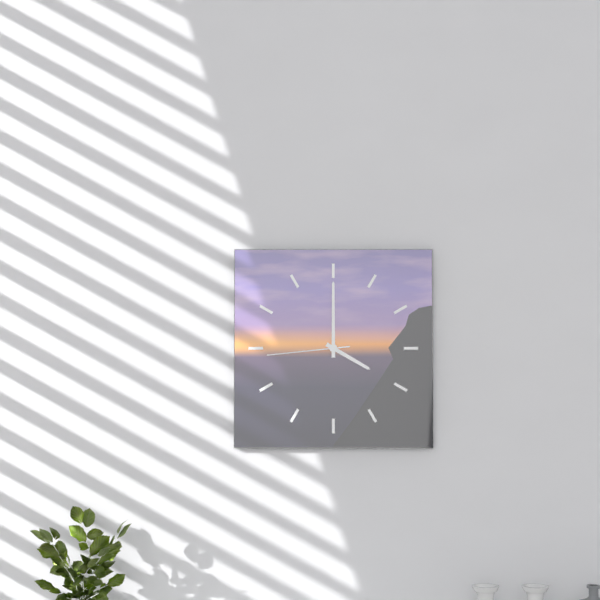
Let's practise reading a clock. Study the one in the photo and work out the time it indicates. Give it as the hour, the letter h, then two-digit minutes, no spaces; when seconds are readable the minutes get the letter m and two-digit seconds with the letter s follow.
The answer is 4h00m44s
